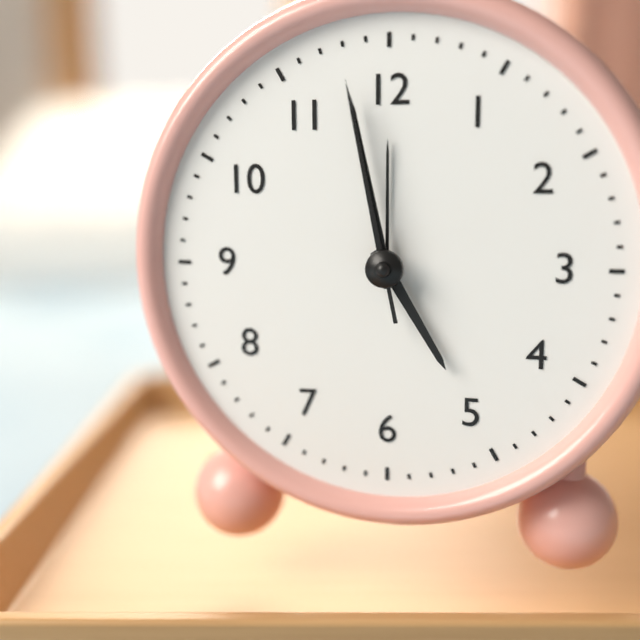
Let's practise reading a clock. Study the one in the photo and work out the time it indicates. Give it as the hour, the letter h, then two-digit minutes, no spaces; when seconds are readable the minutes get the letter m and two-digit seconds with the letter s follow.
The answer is 4h58m58s
